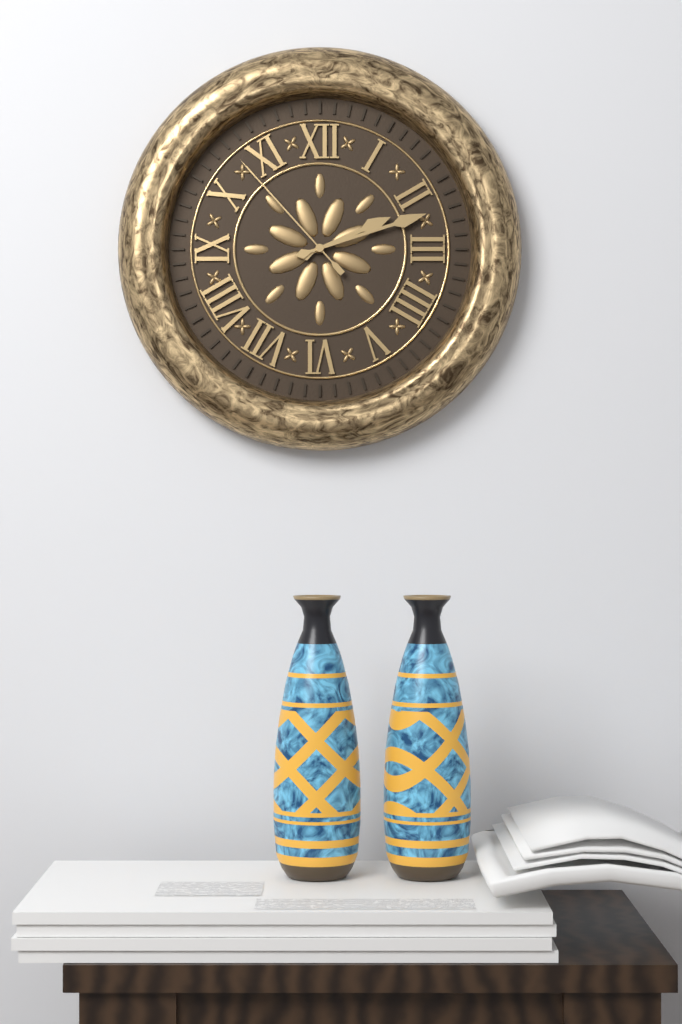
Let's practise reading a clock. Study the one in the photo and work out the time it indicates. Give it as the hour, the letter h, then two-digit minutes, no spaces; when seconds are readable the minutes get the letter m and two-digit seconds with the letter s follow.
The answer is 2h12m53s
